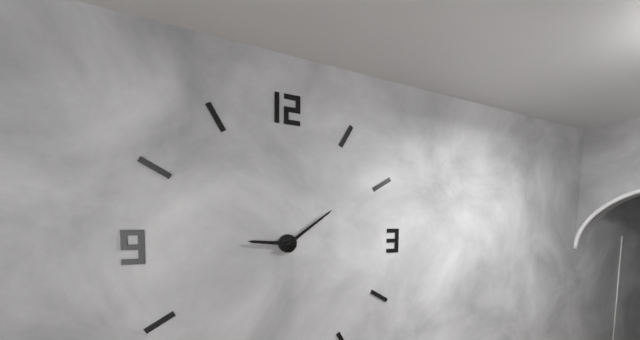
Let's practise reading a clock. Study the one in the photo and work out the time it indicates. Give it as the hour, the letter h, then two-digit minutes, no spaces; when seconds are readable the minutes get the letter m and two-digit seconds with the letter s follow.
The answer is 9h09
